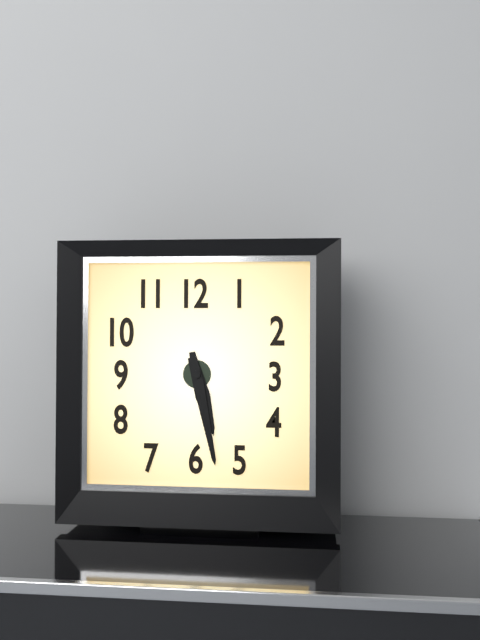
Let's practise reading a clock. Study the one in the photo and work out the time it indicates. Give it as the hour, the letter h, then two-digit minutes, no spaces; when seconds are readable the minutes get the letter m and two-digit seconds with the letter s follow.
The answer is 5h28
